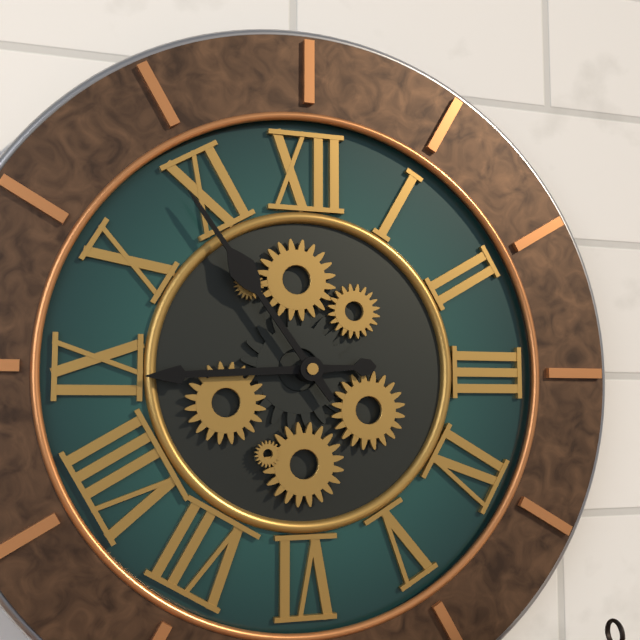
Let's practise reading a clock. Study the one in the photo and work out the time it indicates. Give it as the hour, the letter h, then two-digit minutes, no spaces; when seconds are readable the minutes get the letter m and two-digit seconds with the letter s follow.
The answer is 8h54
